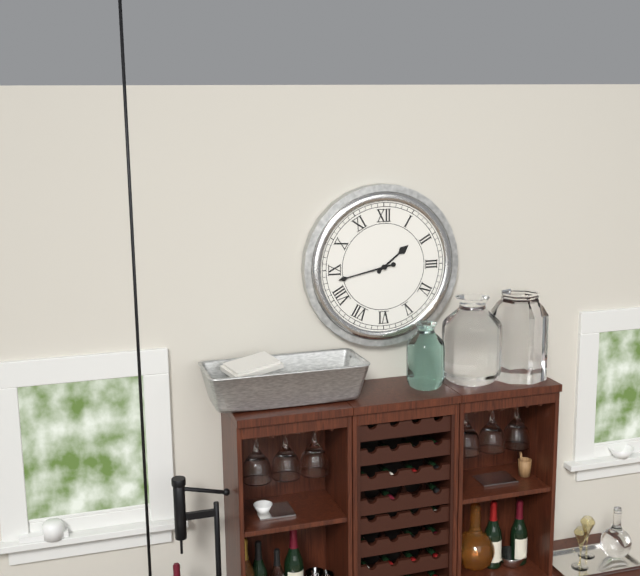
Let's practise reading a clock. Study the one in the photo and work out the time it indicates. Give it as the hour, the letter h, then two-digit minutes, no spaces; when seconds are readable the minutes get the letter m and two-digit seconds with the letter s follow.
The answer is 1h43
